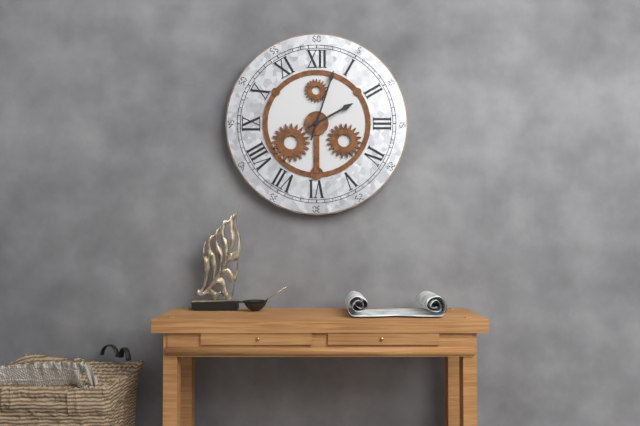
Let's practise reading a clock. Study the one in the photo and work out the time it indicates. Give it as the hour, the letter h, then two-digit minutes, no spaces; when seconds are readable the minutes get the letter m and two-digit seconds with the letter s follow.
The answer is 2h03
